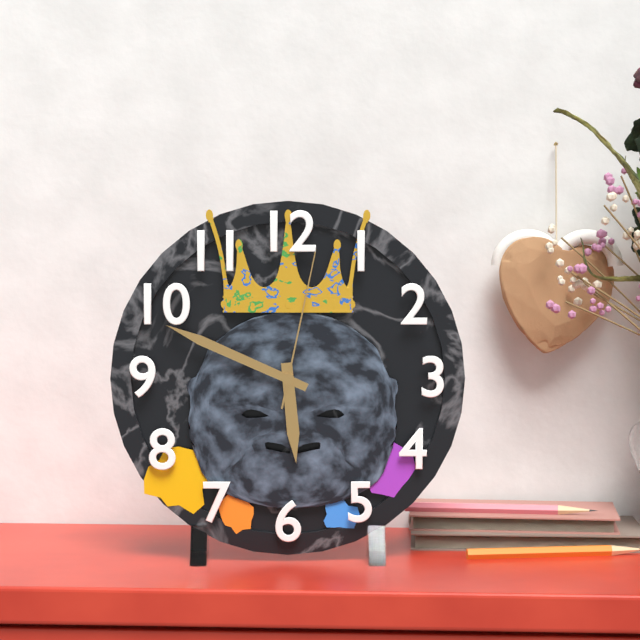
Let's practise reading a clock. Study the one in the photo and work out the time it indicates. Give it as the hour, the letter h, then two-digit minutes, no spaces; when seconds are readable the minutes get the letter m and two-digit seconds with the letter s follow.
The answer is 5h49m02s
